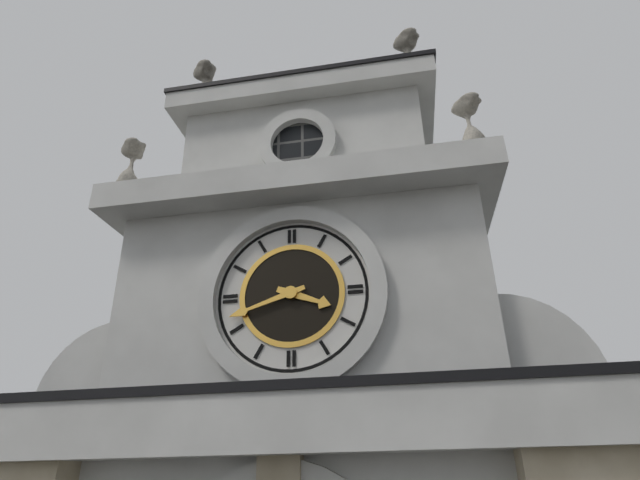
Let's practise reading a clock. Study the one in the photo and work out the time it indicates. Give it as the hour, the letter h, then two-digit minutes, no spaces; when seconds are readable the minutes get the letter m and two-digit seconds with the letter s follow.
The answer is 3h42
